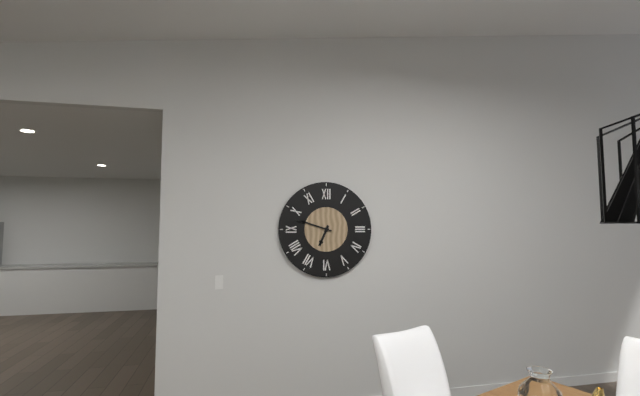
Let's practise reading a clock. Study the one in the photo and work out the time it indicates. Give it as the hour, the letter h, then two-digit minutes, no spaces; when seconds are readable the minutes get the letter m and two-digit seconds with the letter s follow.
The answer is 6h48
